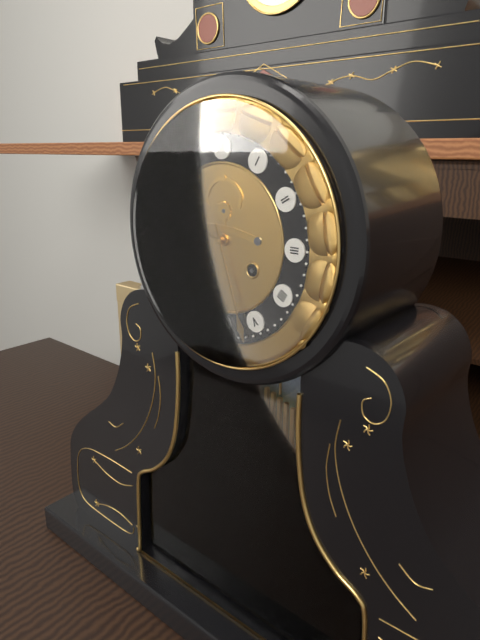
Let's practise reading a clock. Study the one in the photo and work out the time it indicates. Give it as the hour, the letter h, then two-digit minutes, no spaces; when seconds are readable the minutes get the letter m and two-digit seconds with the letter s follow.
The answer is 9h27
